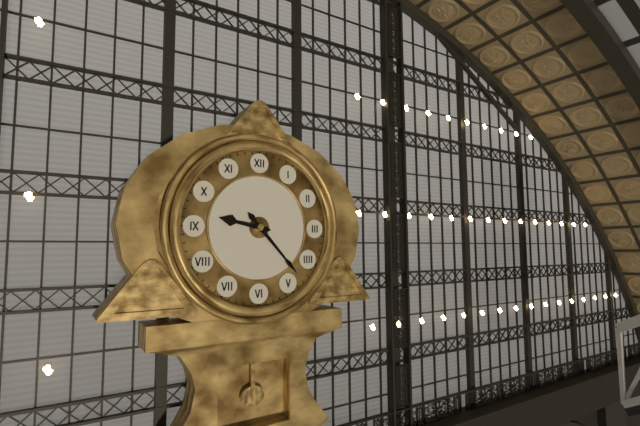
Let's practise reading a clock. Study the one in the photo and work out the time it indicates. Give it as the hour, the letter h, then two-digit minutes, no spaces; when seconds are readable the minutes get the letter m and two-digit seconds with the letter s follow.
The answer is 9h23
